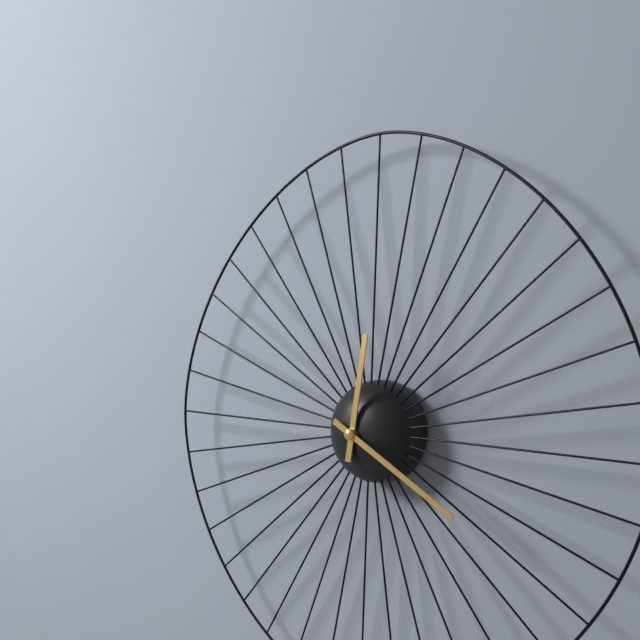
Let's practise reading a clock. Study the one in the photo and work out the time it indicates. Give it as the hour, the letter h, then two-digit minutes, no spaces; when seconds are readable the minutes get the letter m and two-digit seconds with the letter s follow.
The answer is 12h20
